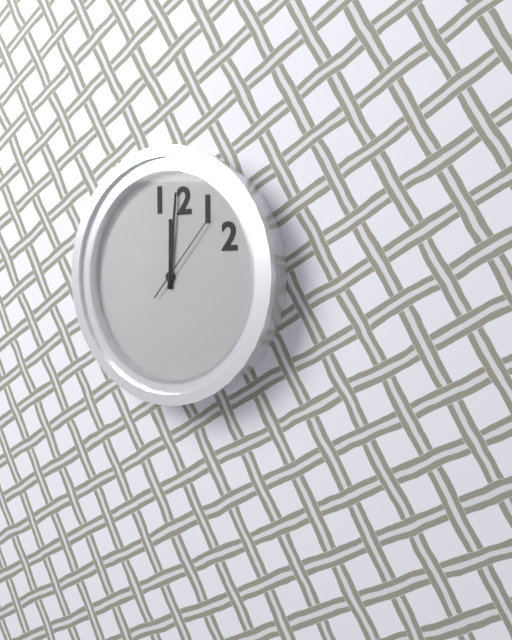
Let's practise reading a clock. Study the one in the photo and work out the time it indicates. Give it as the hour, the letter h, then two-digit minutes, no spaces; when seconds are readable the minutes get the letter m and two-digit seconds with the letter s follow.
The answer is 12h01m07s
